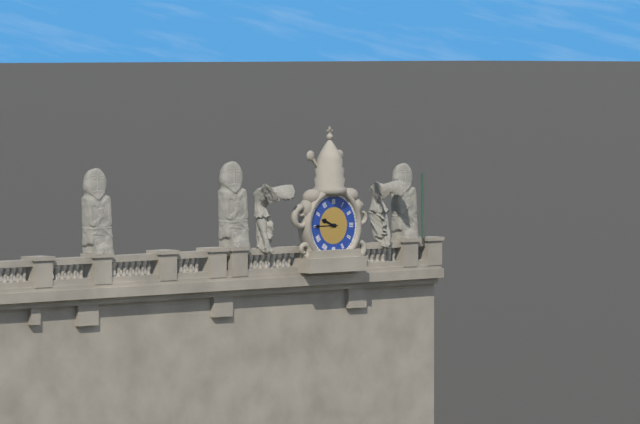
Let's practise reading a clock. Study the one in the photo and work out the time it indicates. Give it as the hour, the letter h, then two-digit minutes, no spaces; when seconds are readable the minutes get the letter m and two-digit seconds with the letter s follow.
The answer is 9h45
